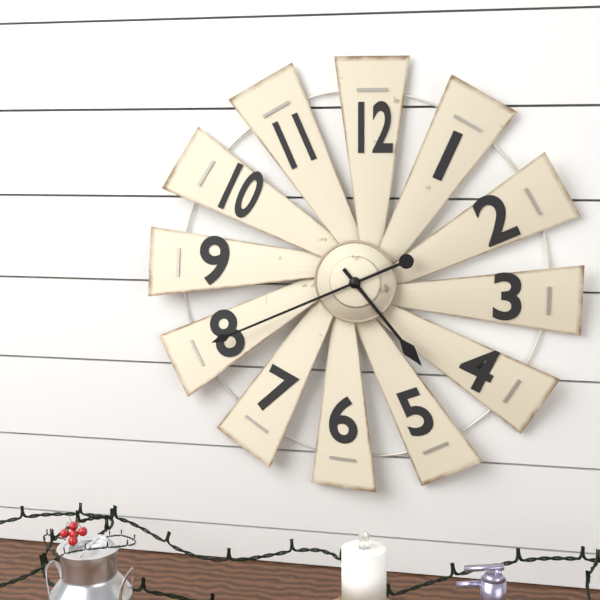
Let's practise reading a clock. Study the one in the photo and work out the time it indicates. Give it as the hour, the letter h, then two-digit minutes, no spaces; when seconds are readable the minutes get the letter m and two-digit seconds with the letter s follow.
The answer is 4h41
